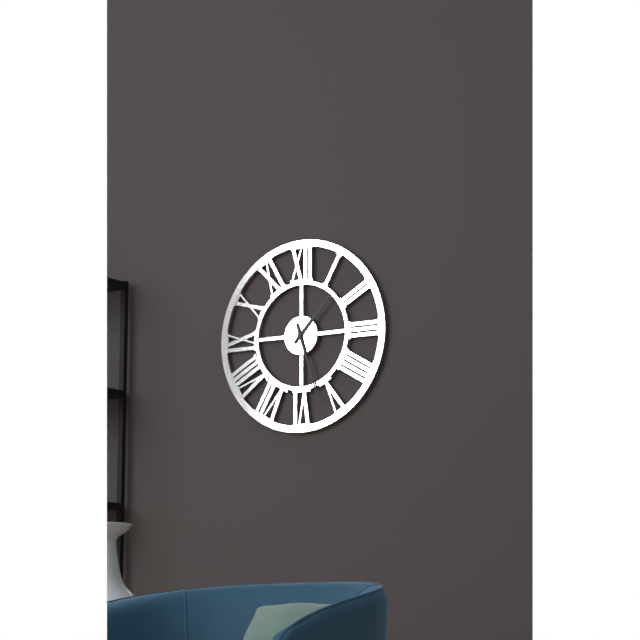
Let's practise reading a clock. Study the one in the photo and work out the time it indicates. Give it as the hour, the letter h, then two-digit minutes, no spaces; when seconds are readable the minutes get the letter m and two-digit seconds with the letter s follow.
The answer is 1h27
